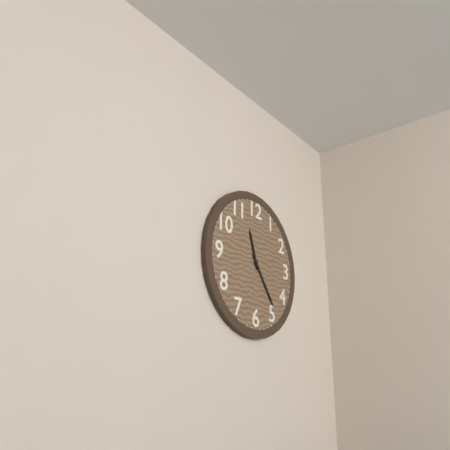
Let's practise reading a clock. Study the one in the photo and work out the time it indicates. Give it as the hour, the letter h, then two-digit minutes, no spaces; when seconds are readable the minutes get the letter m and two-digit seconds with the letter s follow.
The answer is 11h24
